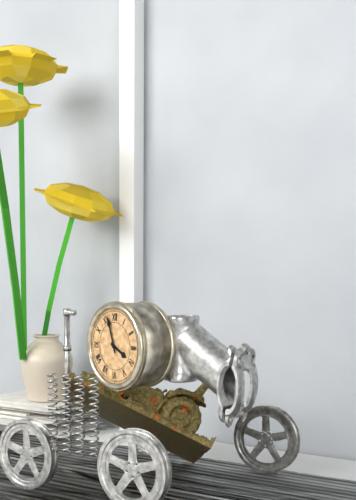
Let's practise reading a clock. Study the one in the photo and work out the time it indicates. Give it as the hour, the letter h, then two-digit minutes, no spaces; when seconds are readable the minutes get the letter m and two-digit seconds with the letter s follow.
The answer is 3h57
